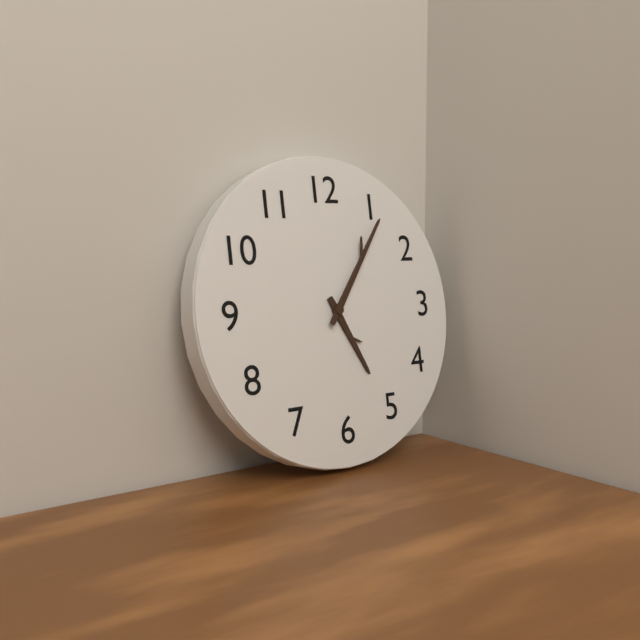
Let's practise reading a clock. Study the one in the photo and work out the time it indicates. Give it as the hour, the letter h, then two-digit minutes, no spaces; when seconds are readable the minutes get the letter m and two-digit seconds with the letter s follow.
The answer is 5h06
